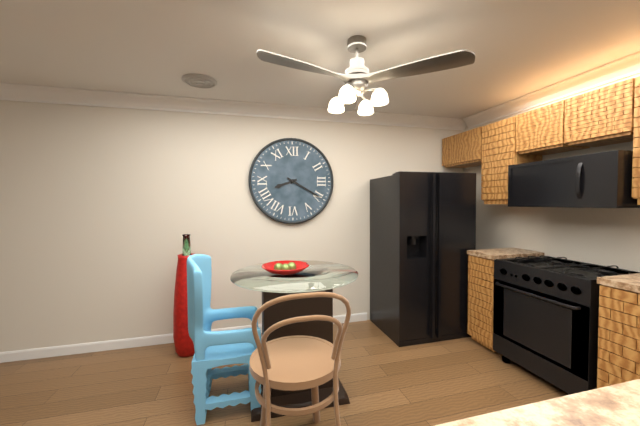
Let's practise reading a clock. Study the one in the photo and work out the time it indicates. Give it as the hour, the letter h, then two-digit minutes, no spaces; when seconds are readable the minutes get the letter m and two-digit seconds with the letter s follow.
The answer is 8h20
